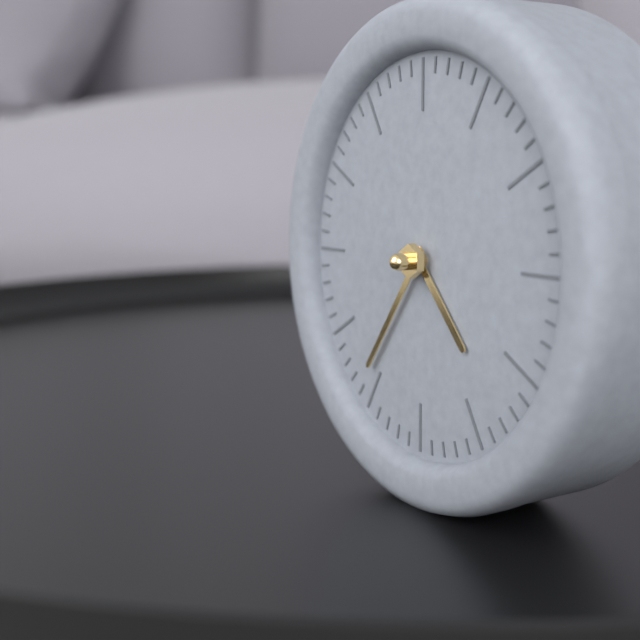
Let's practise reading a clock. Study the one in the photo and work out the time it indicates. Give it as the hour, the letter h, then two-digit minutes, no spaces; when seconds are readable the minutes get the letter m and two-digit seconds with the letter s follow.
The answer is 4h36
